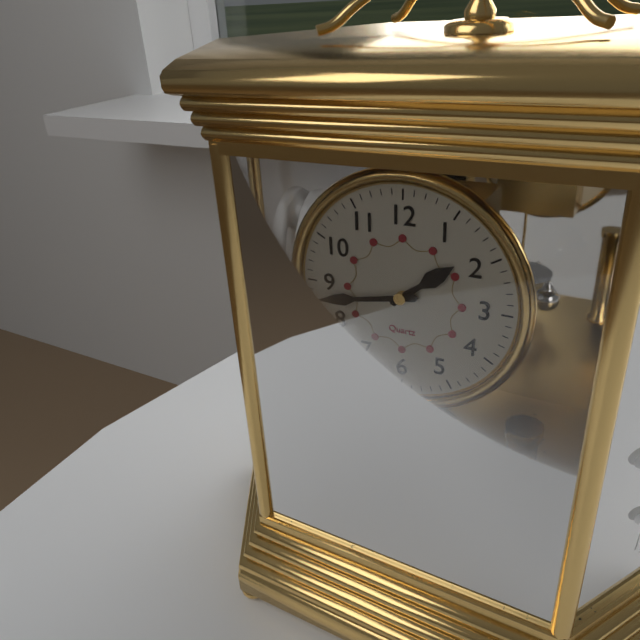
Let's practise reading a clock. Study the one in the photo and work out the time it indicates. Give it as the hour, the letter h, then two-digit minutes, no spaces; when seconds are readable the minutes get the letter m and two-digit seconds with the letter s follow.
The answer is 1h43
